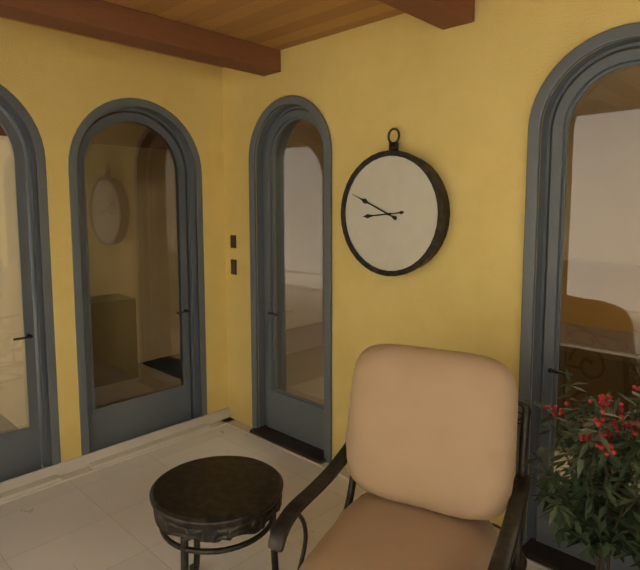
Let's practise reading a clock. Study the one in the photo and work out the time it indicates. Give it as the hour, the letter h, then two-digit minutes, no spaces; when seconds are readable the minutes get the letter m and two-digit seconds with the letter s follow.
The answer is 8h49
